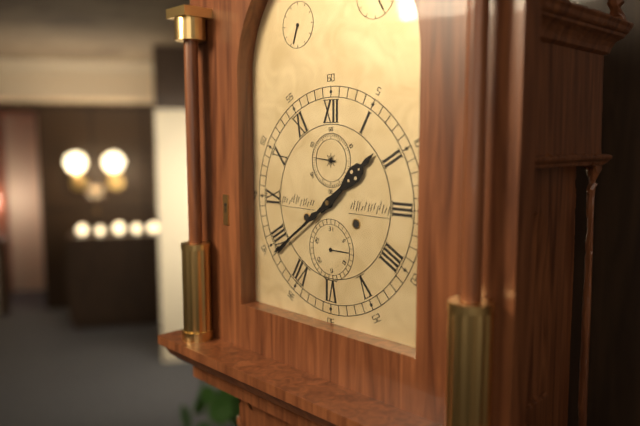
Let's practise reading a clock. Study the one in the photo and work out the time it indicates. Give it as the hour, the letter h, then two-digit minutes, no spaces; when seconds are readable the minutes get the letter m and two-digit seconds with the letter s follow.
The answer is 1h39
